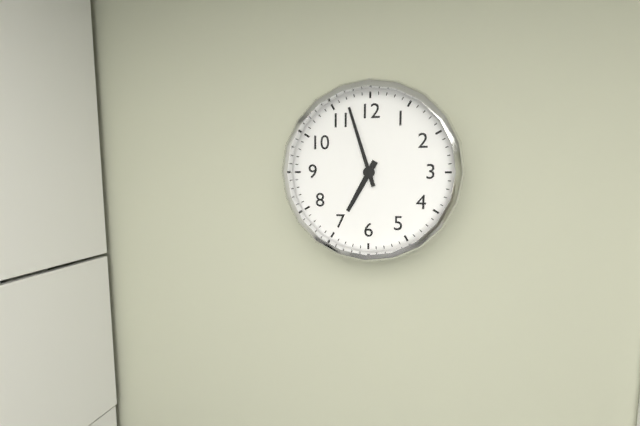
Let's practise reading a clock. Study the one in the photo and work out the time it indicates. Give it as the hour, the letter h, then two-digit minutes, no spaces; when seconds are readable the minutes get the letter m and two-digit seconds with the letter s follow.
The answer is 6h57
